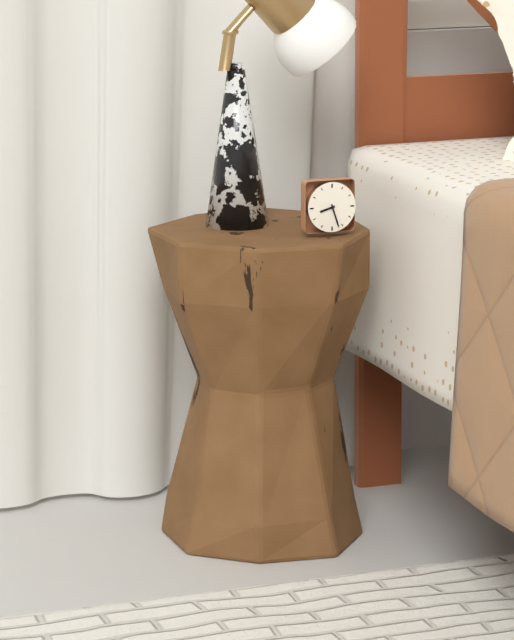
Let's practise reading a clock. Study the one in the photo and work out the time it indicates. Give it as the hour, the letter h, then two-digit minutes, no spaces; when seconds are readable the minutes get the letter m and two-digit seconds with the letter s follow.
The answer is 8h27
